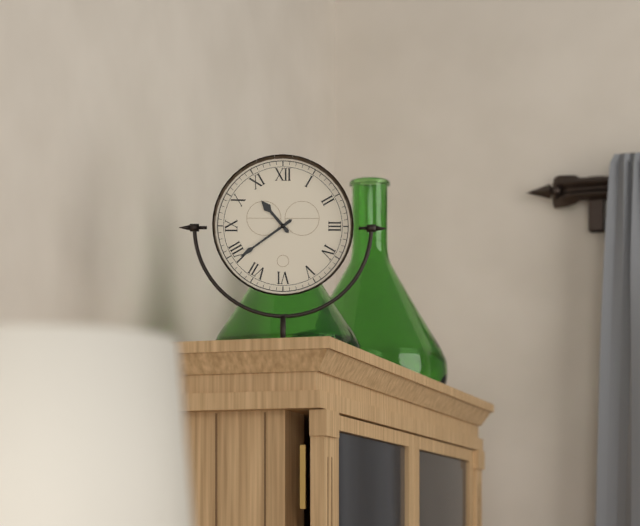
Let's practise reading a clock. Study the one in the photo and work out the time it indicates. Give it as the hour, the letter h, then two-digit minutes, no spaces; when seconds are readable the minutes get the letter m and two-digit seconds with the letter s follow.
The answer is 10h39
